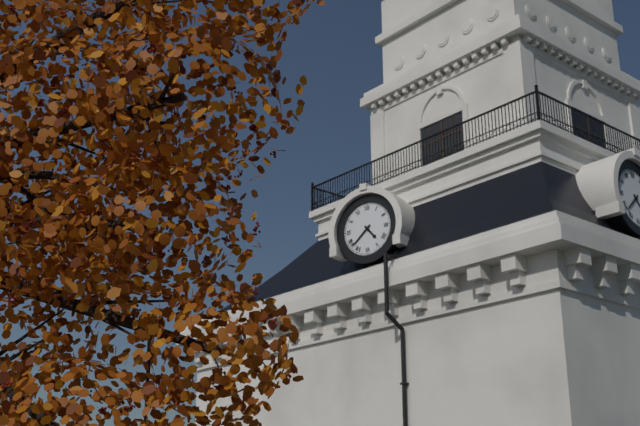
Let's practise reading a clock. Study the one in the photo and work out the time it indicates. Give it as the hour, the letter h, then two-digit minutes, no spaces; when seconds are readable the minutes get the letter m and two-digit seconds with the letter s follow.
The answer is 4h38
